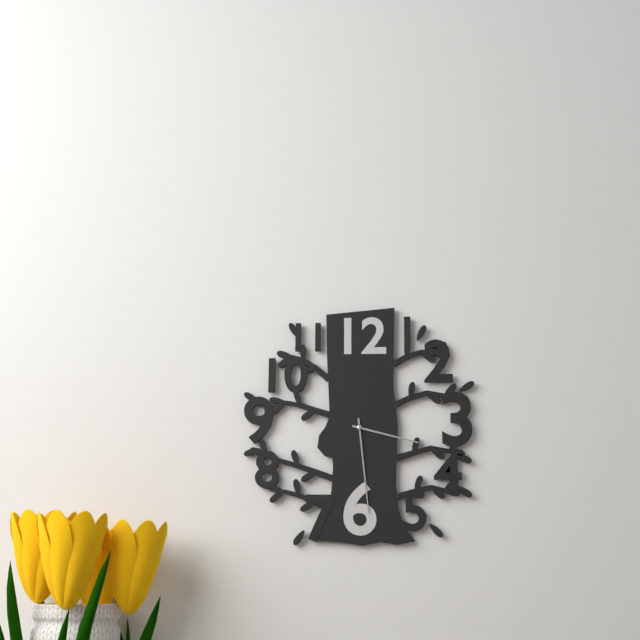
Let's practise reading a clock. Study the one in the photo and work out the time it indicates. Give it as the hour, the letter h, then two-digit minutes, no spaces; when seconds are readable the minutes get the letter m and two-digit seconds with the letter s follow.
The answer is 3h29
